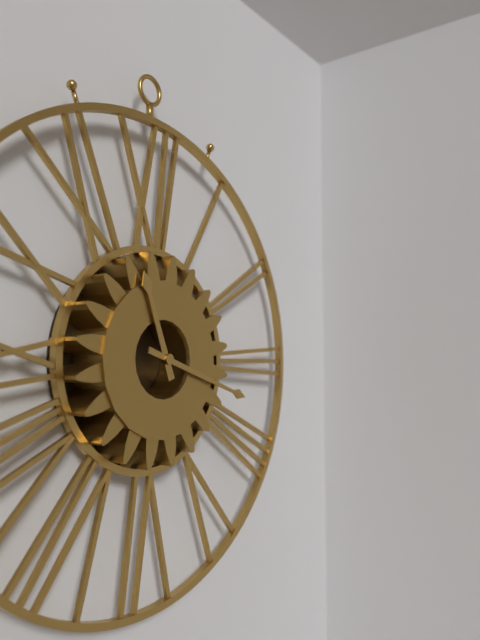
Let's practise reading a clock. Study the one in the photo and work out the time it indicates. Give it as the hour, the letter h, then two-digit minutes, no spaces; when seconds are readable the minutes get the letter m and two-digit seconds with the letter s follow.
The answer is 11h18
